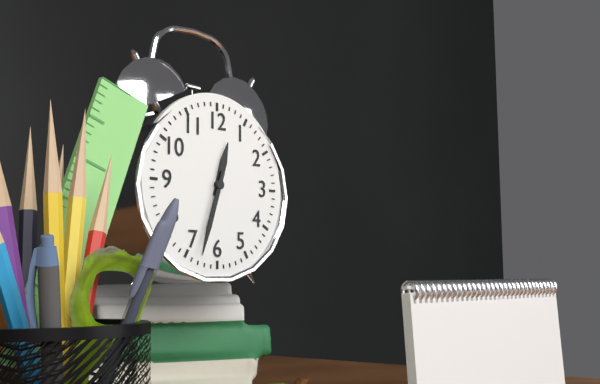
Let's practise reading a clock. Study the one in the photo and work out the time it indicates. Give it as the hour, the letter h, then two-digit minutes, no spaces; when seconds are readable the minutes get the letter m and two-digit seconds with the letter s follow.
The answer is 12h33
